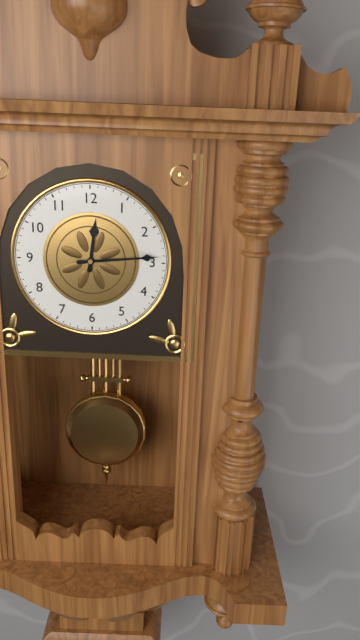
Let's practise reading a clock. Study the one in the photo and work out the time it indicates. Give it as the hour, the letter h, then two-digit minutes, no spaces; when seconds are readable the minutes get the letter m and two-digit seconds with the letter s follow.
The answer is 12h14
